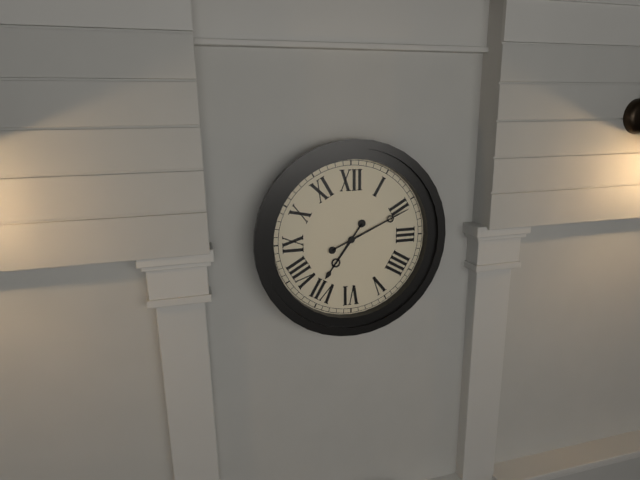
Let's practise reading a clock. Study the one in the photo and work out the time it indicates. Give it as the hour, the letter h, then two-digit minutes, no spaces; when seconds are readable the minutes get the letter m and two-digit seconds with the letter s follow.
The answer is 7h11
